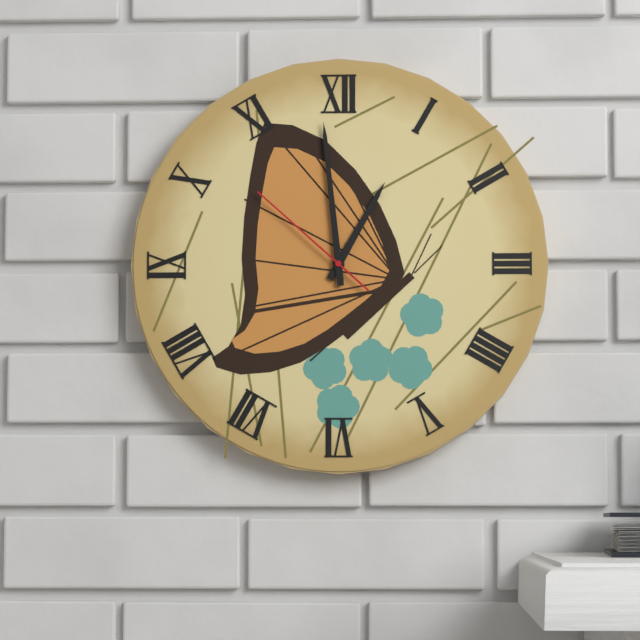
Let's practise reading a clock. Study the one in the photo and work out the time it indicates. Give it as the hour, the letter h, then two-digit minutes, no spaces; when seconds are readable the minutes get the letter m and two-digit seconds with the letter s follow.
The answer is 12h59m52s
